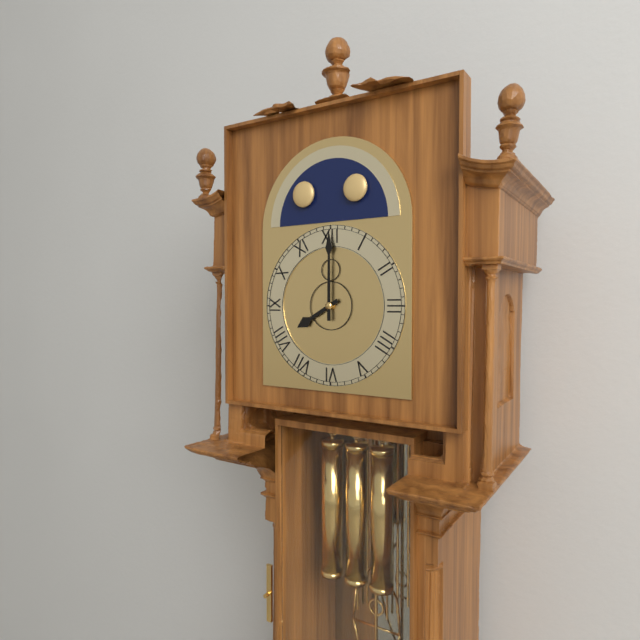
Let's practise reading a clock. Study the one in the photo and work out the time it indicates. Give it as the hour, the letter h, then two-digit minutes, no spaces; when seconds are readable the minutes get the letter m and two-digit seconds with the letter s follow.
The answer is 8h00
